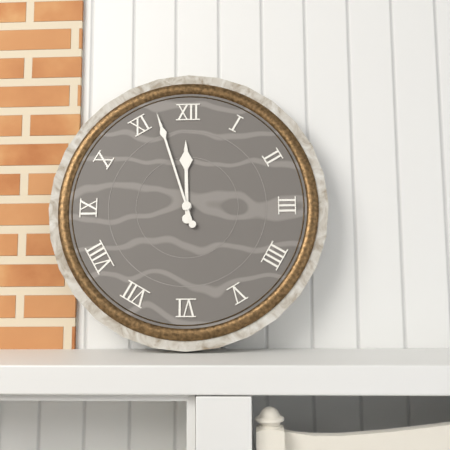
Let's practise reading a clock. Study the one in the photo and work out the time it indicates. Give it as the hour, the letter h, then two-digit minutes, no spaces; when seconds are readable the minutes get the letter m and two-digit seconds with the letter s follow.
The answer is 11h57
